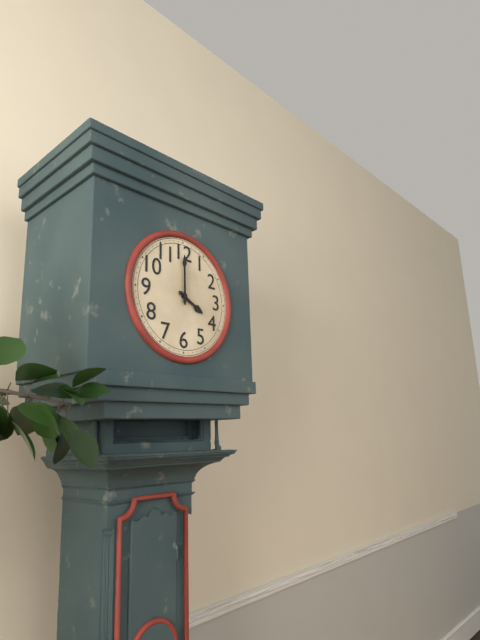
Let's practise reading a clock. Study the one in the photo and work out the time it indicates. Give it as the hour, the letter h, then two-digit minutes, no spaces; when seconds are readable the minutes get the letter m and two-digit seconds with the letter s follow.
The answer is 4h00
